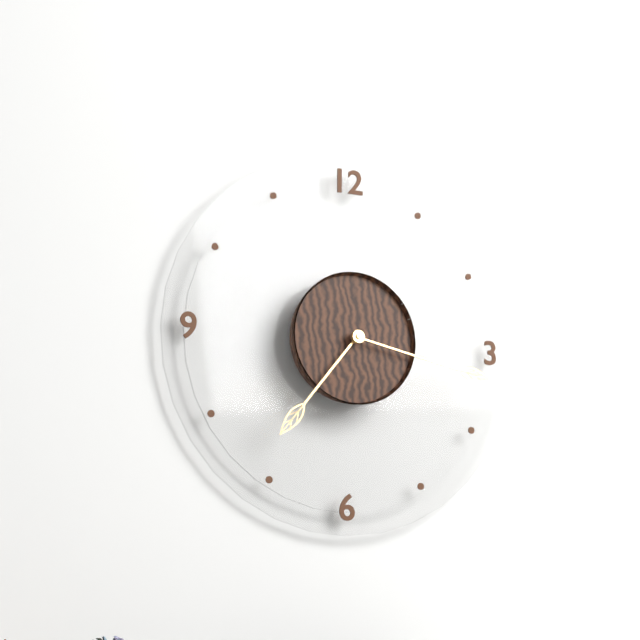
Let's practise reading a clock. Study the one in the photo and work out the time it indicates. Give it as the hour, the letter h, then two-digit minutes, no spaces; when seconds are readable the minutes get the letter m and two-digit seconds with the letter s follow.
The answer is 7h17
